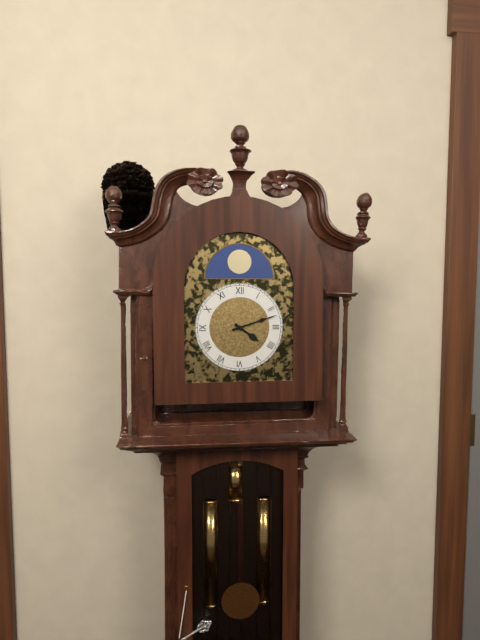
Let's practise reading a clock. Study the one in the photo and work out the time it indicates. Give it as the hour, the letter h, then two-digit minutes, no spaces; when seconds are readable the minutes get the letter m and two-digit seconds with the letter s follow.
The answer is 4h12
